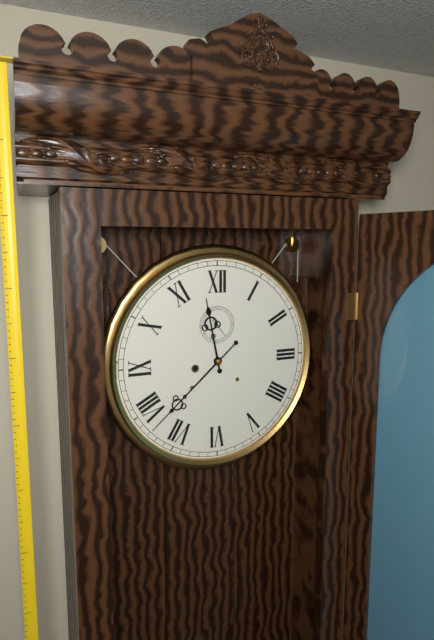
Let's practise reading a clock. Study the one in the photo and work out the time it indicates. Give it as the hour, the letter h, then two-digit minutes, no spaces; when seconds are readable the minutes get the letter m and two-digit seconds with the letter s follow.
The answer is 11h38
